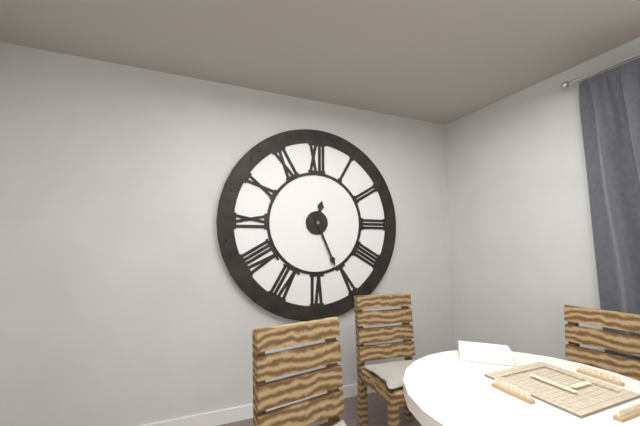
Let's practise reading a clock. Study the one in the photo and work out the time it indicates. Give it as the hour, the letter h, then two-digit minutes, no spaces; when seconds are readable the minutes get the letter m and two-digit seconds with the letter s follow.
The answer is 12h26
